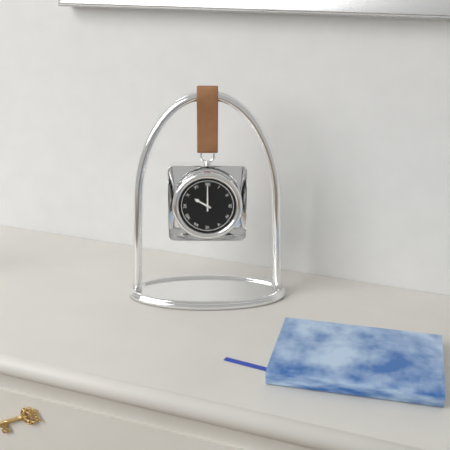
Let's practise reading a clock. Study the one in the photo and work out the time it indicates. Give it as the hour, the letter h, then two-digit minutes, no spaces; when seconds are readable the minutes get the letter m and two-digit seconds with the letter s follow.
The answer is 10h00
